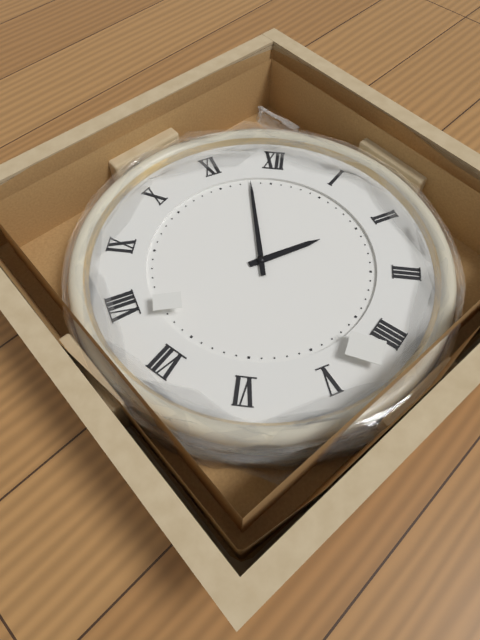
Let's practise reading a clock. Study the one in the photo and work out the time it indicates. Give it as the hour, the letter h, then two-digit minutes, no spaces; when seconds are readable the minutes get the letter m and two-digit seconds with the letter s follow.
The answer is 1h58
